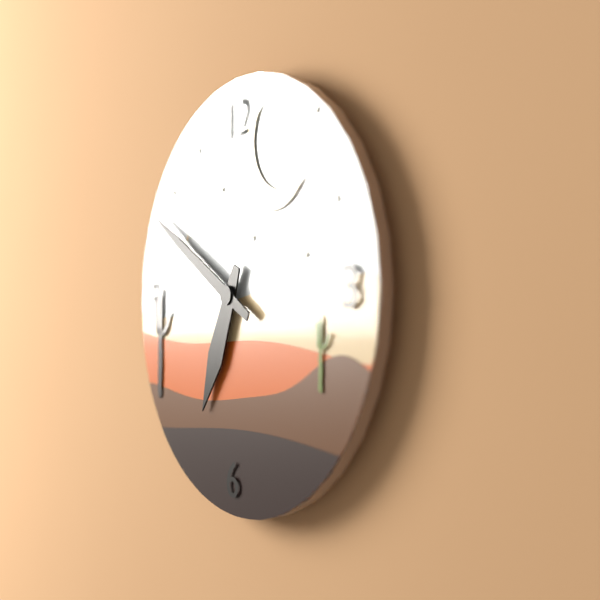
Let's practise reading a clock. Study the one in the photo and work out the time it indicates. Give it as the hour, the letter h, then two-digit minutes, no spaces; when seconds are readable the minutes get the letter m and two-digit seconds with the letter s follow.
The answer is 6h50
